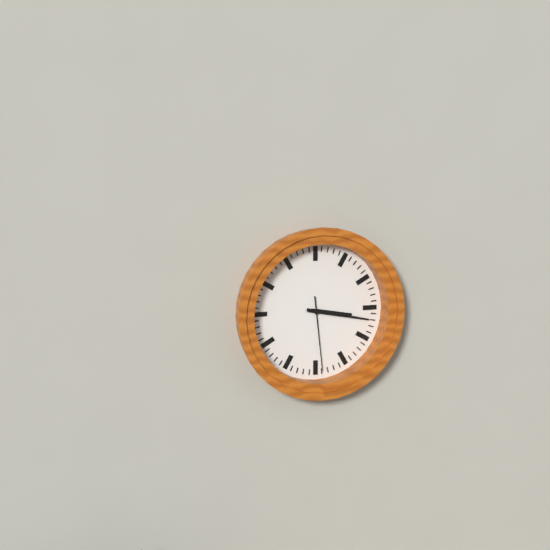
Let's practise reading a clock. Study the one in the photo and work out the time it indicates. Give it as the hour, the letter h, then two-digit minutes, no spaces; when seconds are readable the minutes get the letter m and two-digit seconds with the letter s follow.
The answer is 3h17m29s
